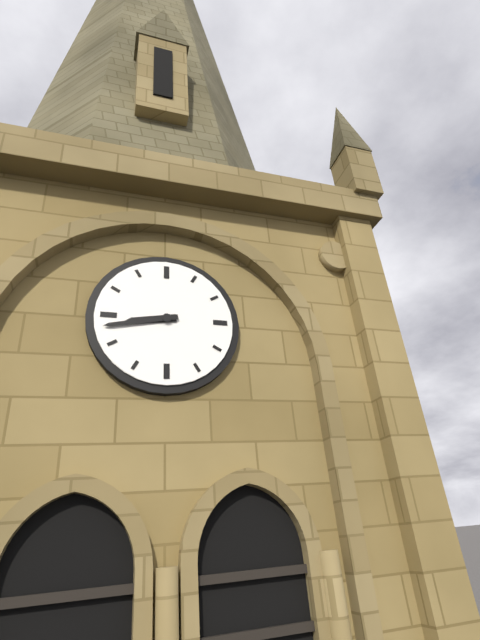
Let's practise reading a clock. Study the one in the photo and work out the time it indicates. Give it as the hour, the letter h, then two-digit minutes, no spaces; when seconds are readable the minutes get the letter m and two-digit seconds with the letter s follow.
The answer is 8h43
